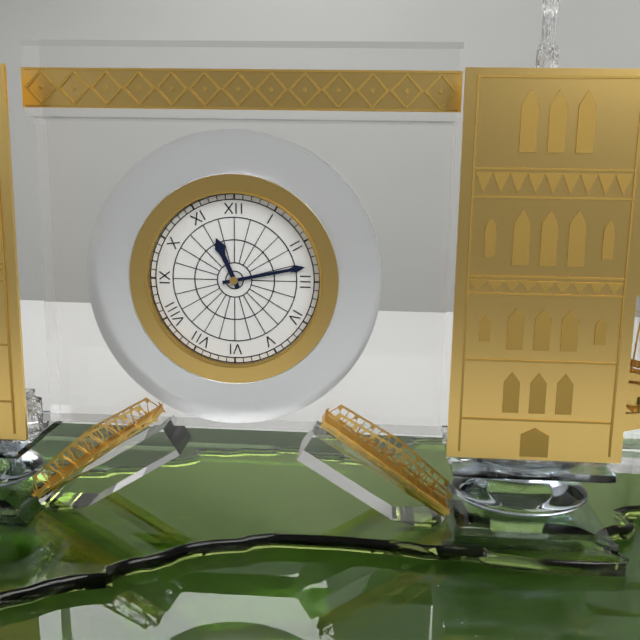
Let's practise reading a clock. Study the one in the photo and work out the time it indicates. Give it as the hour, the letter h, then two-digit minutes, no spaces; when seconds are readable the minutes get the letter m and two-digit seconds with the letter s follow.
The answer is 11h13
